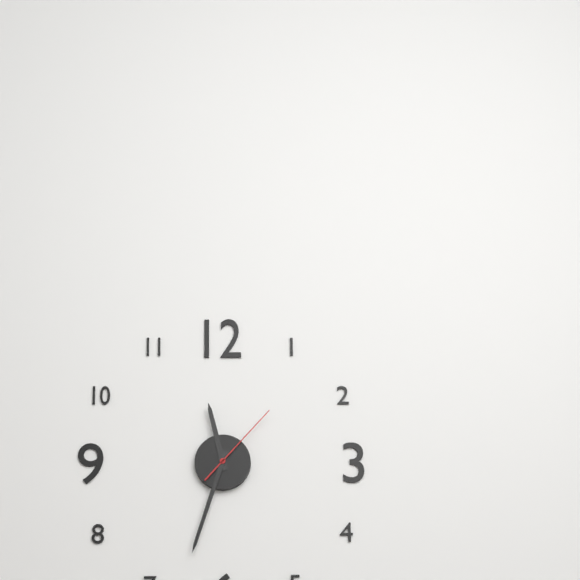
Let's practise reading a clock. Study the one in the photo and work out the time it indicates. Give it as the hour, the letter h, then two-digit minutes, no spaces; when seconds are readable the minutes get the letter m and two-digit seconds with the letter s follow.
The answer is 11h33m07s
